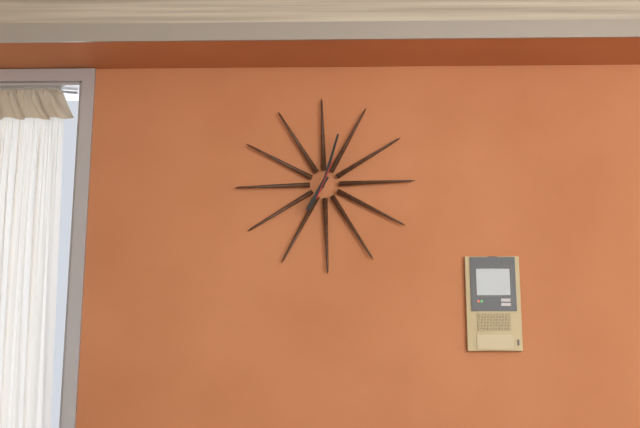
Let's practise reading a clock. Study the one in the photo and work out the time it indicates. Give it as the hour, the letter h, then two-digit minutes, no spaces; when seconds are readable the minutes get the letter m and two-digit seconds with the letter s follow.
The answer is 7h03
